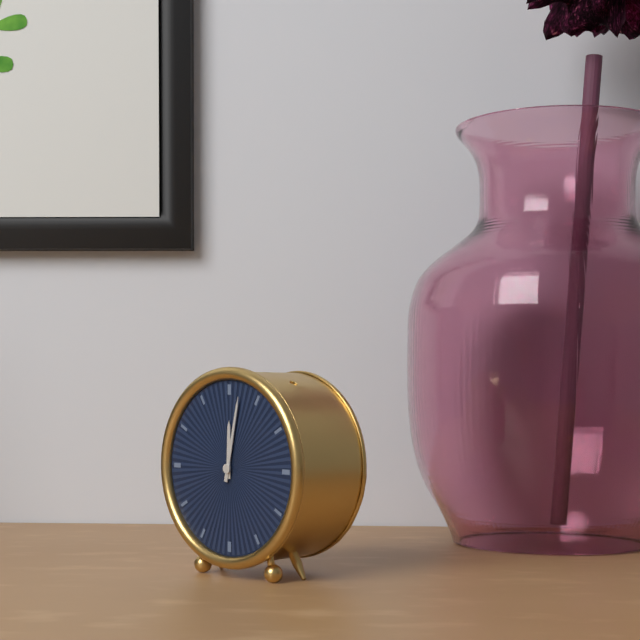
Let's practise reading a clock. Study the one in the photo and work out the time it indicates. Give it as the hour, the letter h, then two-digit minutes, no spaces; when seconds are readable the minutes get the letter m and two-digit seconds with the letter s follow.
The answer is 12h02
